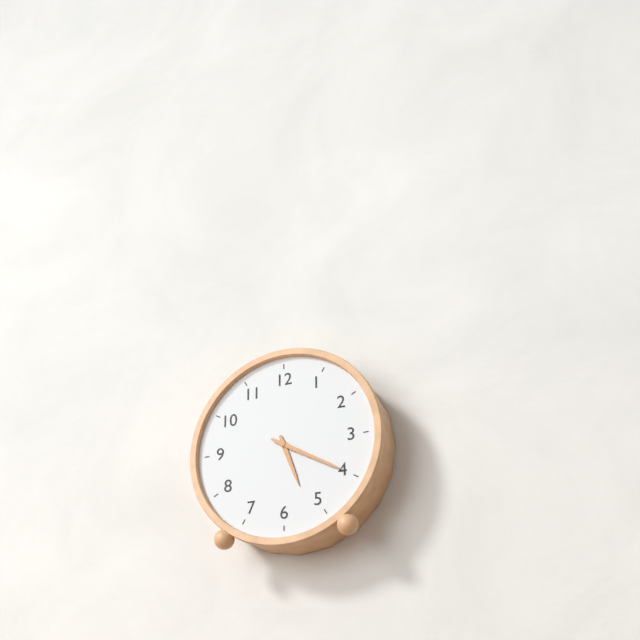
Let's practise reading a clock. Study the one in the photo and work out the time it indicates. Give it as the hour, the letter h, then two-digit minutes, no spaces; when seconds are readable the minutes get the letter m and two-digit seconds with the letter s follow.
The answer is 5h20
